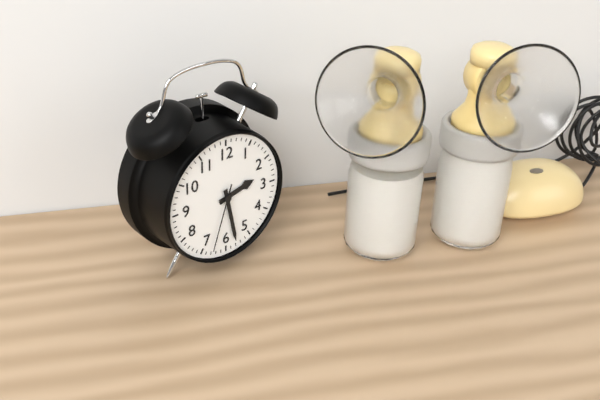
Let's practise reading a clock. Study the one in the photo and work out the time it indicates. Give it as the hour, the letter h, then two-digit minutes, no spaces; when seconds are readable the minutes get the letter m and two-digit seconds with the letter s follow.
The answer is 2h28m33s
